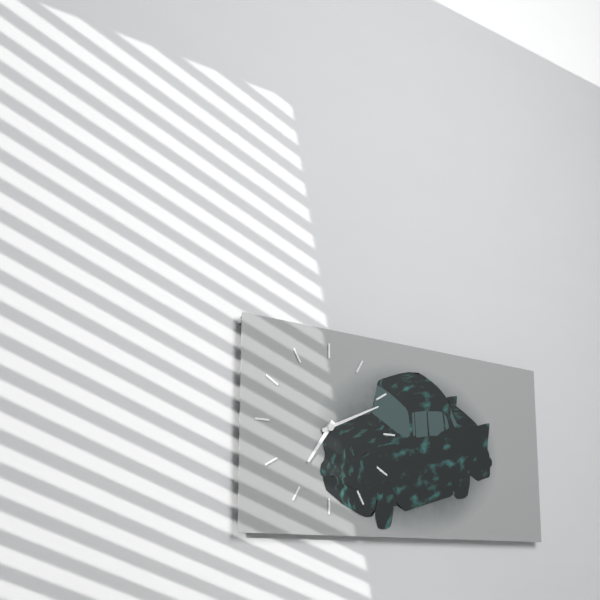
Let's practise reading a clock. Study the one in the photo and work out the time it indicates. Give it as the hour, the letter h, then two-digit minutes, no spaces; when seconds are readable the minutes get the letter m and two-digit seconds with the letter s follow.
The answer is 7h11
